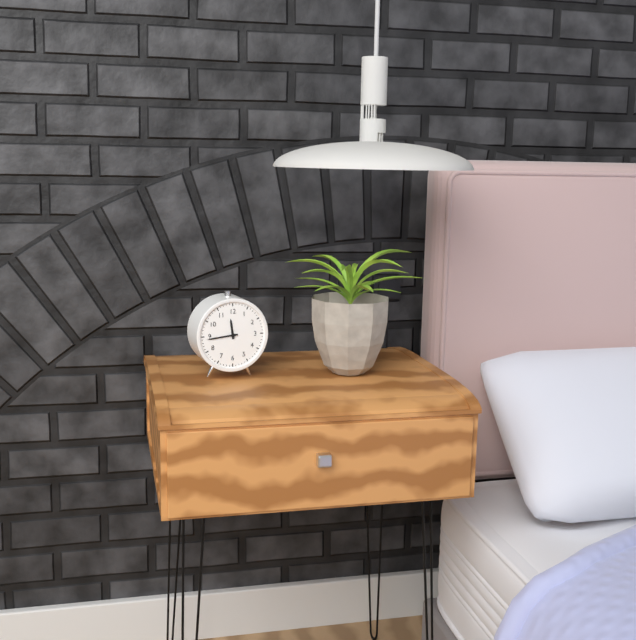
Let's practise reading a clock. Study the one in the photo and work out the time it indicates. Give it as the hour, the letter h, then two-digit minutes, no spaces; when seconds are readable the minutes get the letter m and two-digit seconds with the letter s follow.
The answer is 11h44
